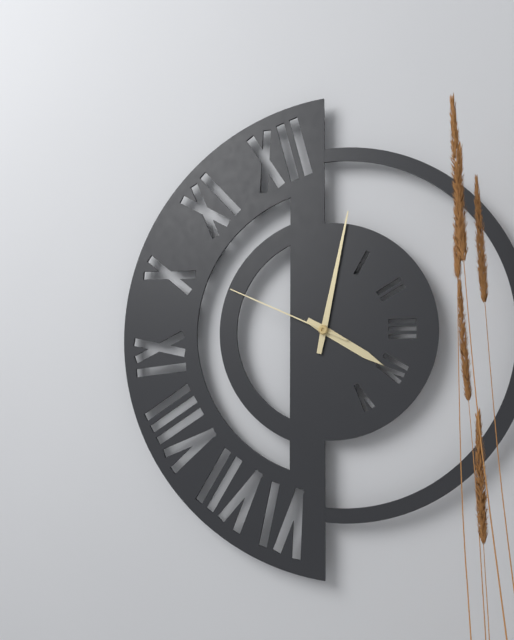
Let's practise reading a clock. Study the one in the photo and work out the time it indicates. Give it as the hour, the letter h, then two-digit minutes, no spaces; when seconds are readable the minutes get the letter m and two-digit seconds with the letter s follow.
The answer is 4h02m49s
